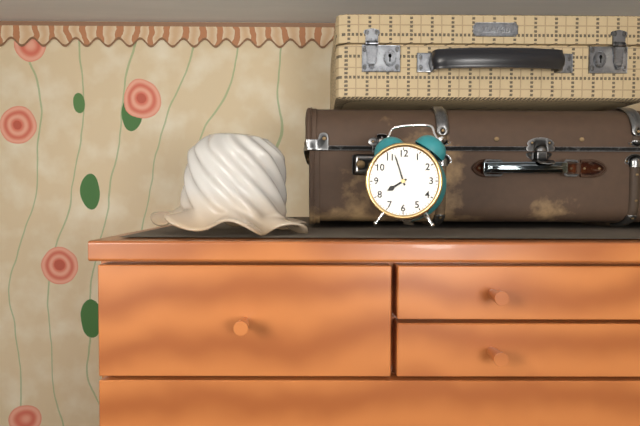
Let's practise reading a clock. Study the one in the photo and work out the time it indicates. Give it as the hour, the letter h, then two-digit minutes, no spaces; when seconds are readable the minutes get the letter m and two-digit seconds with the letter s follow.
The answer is 7h57
